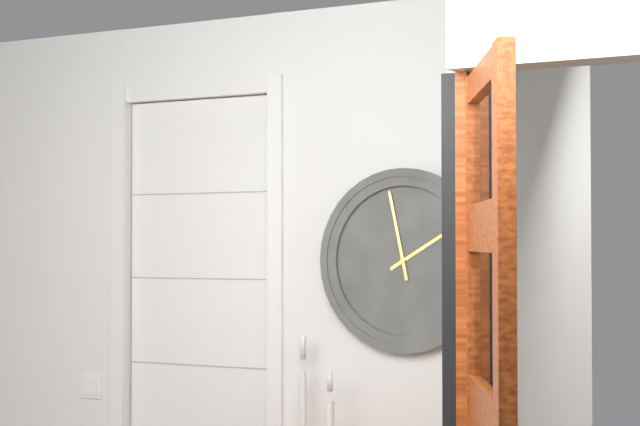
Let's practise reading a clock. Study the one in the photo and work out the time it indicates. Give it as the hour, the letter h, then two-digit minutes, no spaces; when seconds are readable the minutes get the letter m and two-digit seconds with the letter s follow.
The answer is 1h58
